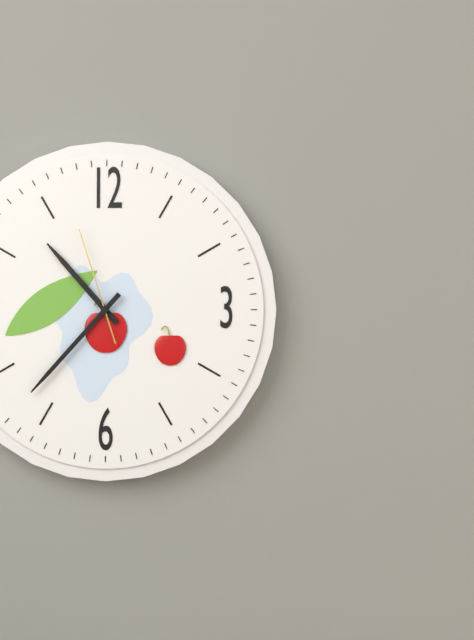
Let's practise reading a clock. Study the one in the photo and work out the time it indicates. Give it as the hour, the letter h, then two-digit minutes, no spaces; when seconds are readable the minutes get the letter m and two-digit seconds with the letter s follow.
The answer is 10h37m57s
